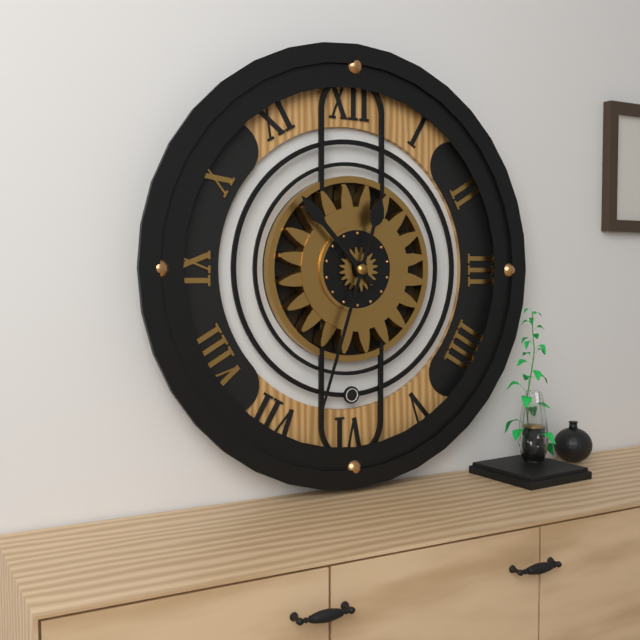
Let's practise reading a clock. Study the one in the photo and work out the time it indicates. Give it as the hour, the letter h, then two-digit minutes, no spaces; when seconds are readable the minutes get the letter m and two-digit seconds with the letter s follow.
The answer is 10h33
